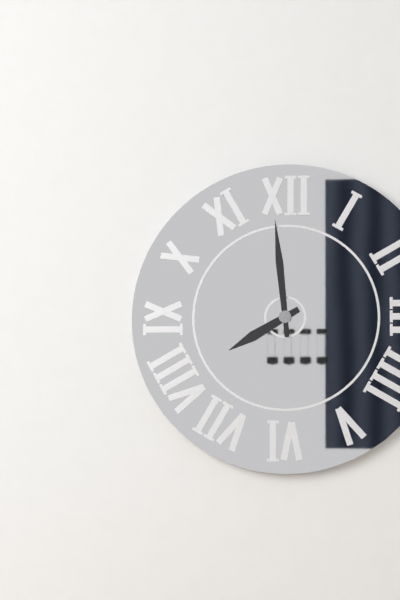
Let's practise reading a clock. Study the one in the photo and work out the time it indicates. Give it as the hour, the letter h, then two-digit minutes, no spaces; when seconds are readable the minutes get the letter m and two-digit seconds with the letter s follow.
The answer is 7h59
